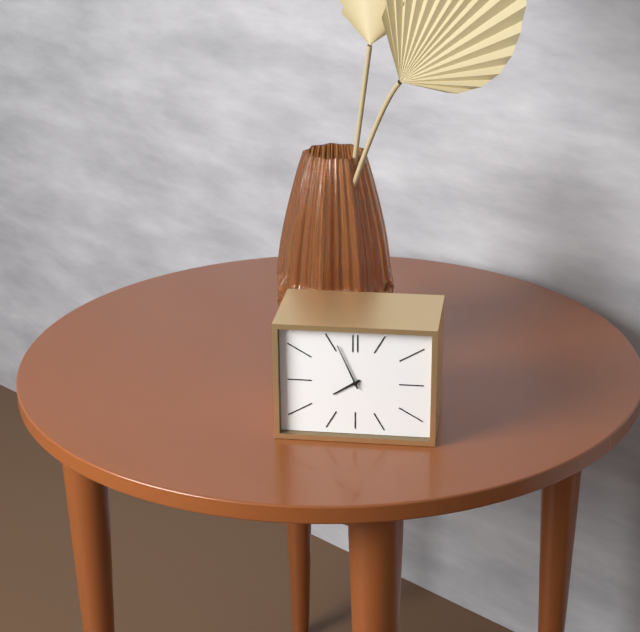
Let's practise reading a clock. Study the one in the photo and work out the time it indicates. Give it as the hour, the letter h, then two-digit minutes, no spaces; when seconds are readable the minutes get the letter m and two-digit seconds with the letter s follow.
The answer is 7h56
